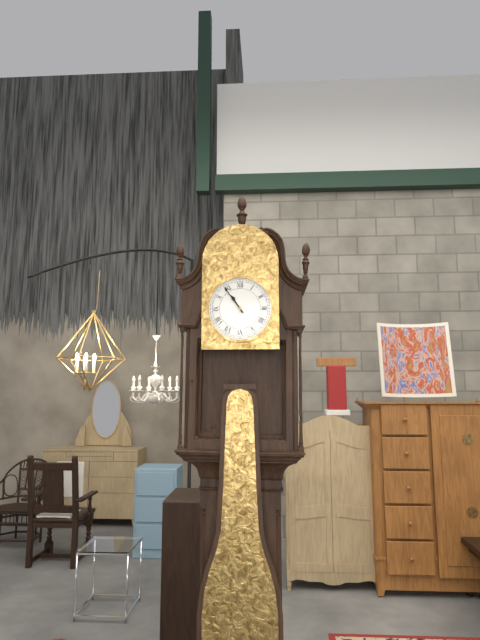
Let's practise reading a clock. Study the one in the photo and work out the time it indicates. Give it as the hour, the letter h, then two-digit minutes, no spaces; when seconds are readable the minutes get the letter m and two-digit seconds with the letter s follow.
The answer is 10h54
